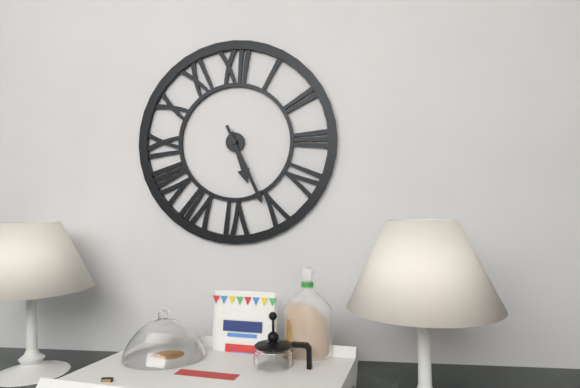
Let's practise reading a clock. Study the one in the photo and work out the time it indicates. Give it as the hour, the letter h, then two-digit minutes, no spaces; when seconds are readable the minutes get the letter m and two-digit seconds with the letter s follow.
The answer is 5h26
